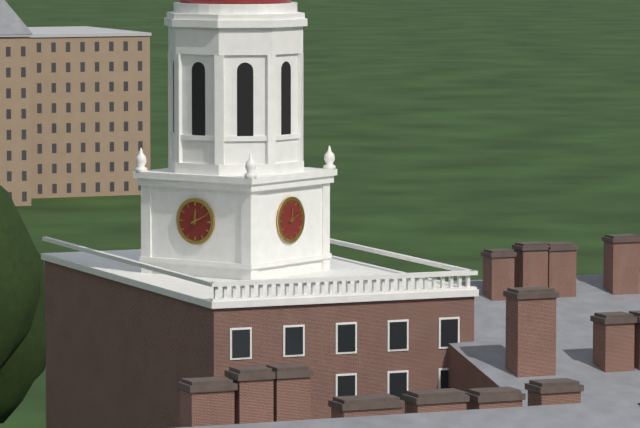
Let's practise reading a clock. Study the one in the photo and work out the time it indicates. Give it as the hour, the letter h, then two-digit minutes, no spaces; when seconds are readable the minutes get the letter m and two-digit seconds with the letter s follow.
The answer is 12h11
